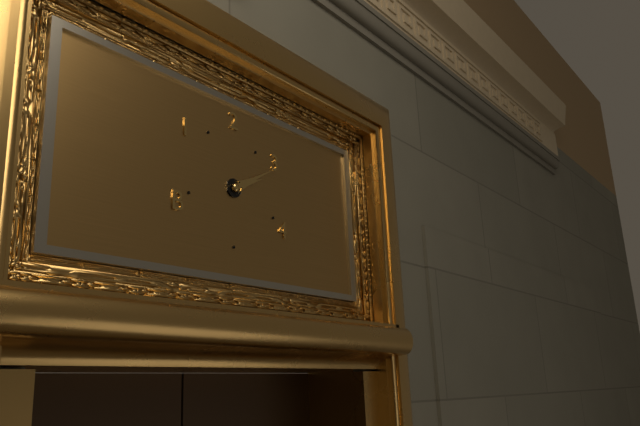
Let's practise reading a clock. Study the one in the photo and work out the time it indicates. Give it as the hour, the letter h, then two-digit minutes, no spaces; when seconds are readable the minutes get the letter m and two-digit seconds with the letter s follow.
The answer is 2h10
